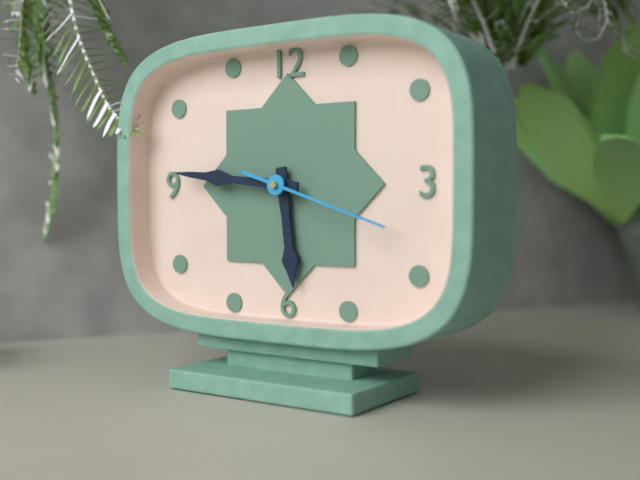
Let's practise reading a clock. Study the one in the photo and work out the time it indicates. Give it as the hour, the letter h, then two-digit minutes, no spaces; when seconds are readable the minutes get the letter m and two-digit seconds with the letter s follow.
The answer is 5h46m18s
